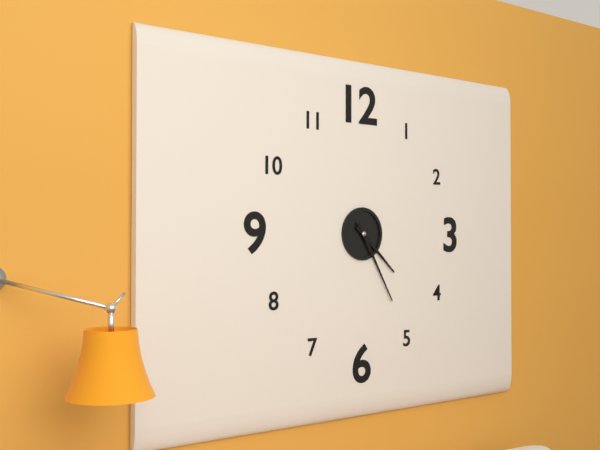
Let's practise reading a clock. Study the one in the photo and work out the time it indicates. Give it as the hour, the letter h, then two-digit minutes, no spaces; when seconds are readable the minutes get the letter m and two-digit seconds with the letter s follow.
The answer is 4h25
